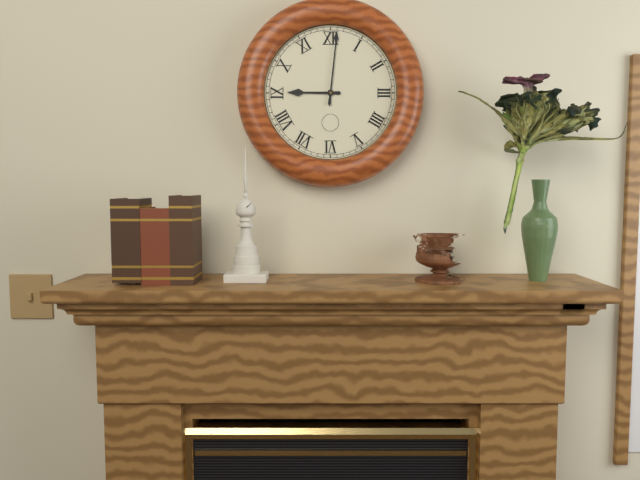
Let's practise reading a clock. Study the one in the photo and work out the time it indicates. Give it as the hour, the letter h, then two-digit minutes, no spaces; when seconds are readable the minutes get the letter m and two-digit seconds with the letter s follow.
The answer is 9h01
